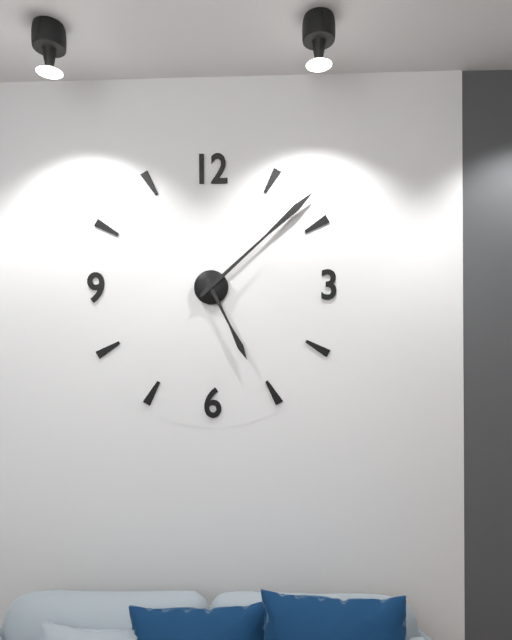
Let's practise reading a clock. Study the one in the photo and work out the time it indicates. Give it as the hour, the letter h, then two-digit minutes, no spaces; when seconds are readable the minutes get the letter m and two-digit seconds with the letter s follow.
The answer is 5h08
